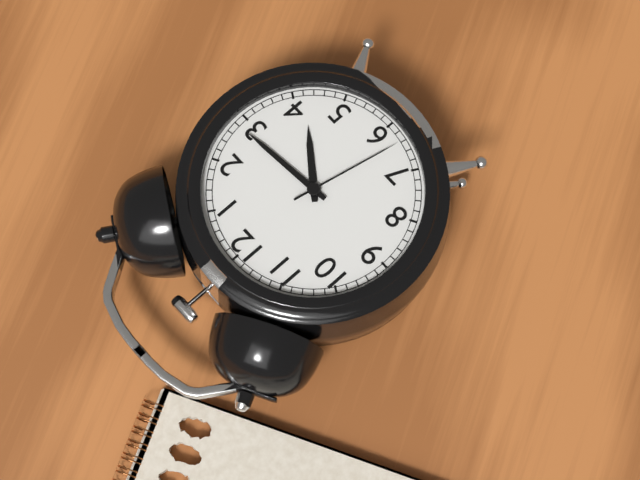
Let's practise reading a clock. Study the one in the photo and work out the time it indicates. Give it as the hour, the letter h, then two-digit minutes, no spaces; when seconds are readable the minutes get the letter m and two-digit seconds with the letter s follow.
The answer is 4h14m32s
